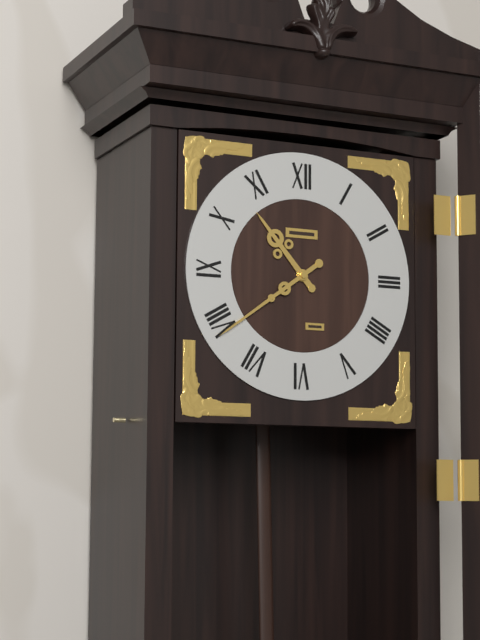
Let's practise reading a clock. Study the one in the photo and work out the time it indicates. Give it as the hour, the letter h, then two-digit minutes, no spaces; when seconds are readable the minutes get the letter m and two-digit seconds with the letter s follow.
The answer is 10h39
